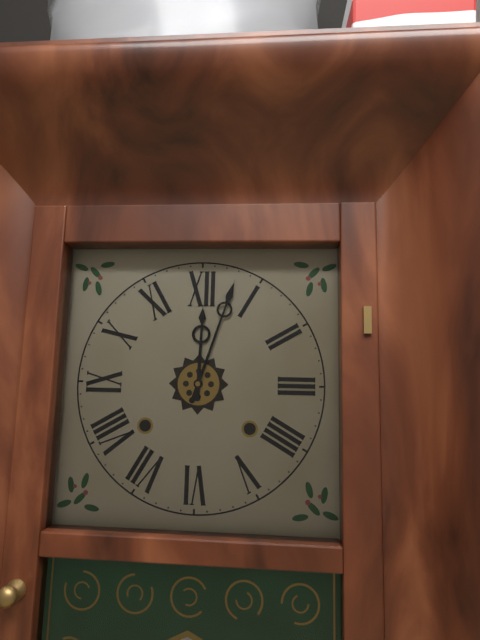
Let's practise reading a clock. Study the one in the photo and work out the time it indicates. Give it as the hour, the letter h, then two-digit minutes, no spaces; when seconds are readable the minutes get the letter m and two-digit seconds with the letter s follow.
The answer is 12h03
